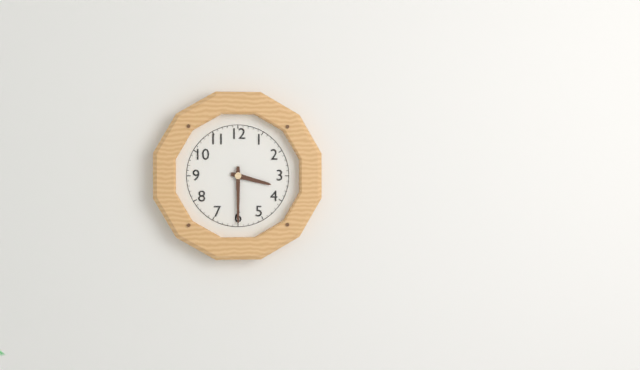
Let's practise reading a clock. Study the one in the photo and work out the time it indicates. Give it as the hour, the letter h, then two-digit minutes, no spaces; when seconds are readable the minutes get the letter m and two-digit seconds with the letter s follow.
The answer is 3h30
